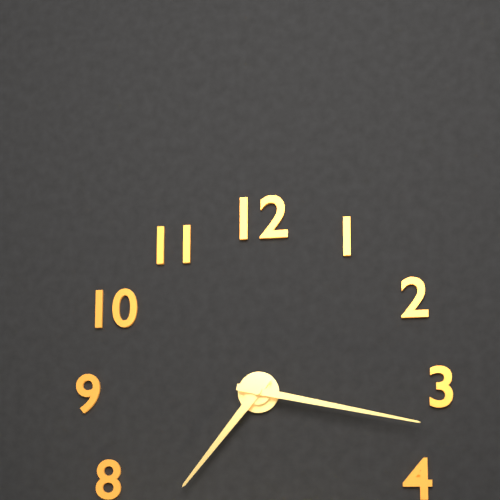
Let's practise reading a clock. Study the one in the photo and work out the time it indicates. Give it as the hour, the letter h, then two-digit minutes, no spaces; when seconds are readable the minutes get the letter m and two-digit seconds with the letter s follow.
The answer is 7h17
